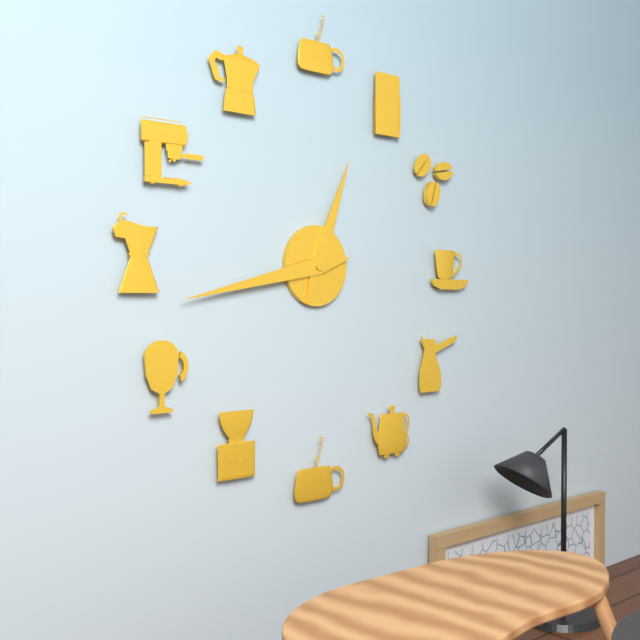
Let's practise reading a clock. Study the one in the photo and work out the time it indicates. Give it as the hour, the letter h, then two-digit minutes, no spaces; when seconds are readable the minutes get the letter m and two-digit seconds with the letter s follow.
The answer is 12h43
